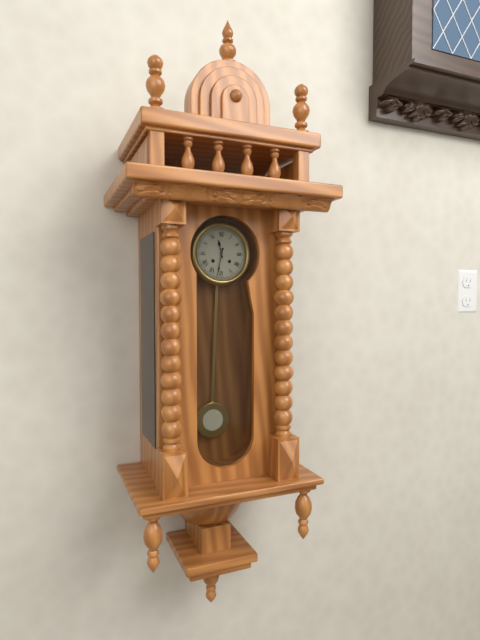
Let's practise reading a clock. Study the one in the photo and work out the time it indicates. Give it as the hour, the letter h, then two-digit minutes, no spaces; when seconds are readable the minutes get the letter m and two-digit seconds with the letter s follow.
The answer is 11h32
